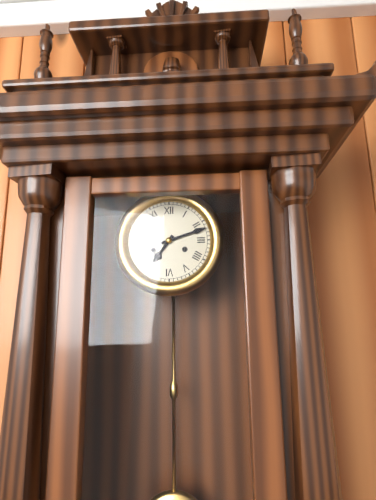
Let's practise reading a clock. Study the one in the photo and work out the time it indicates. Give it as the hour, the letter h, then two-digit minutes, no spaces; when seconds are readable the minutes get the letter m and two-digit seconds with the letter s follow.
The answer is 7h12
